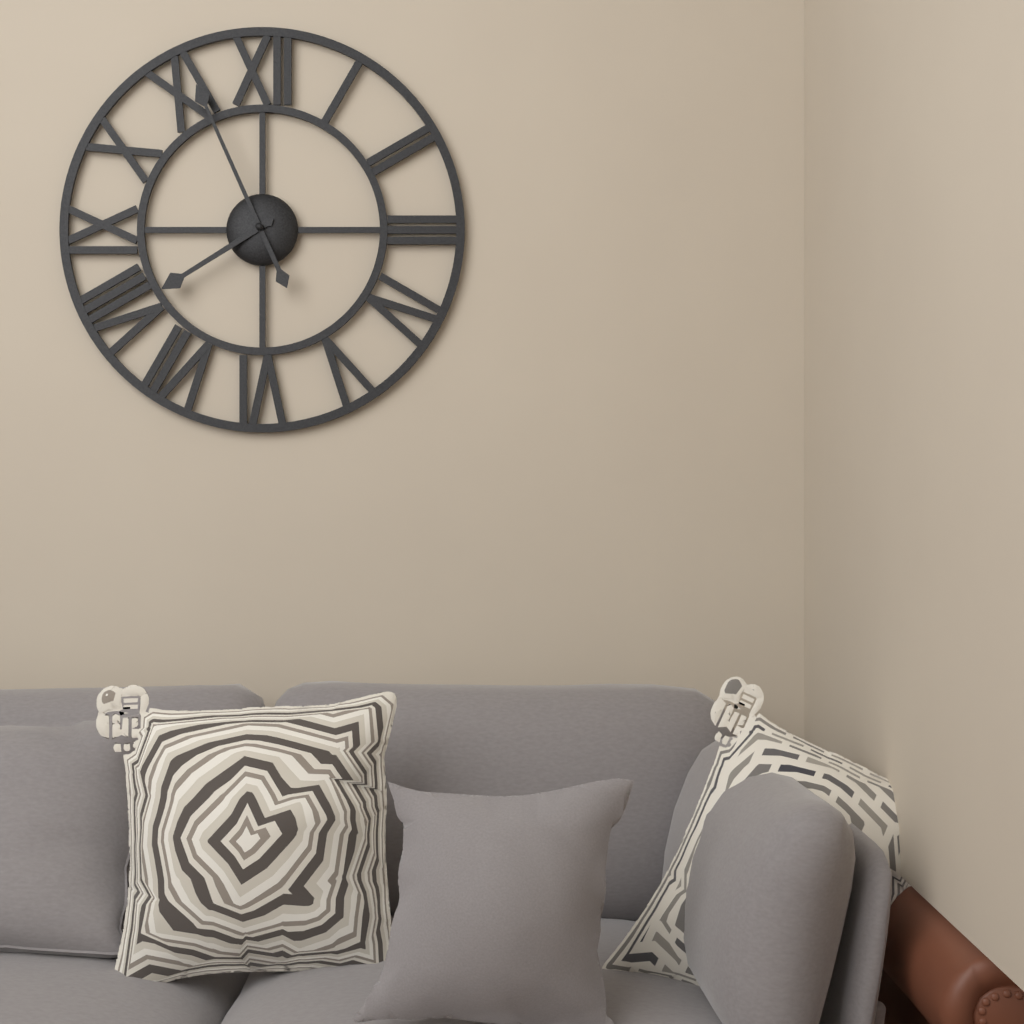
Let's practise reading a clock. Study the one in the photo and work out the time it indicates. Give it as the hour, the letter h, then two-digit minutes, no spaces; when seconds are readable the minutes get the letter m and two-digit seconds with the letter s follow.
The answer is 7h56
